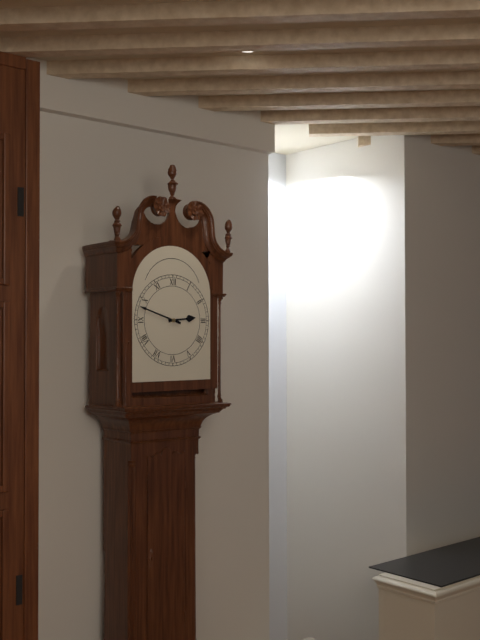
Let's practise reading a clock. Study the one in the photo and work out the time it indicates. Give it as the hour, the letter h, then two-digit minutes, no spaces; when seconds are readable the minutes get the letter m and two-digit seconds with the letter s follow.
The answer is 2h48
